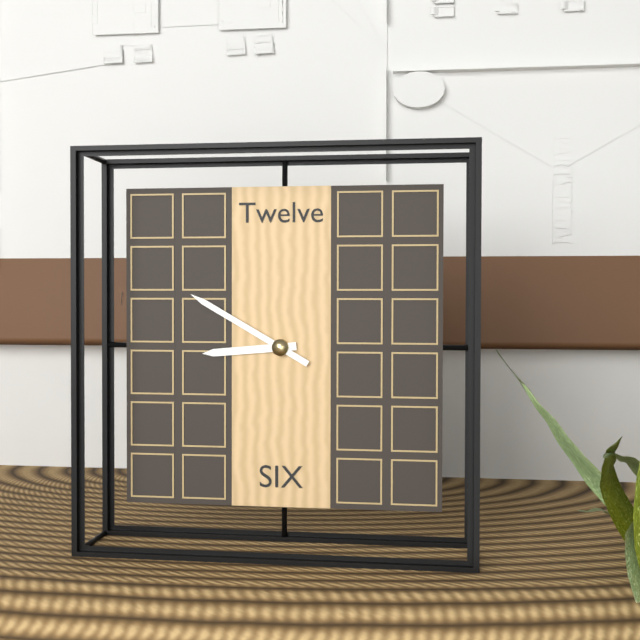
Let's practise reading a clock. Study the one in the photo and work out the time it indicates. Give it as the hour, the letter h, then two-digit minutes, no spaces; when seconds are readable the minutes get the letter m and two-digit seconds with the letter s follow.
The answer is 8h50
